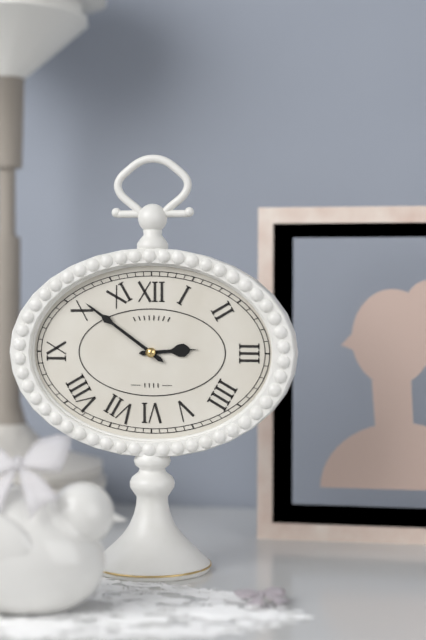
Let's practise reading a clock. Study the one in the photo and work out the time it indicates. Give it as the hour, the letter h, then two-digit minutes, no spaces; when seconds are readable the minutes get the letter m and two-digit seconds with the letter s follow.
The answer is 2h51
